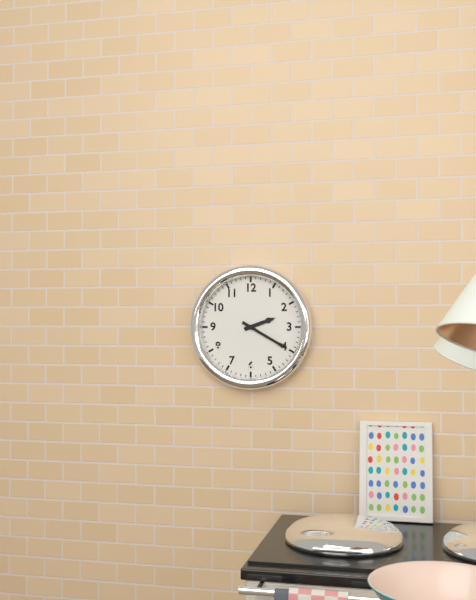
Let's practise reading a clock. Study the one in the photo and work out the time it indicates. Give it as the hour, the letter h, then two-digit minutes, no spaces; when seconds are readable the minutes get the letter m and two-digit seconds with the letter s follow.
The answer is 2h20
